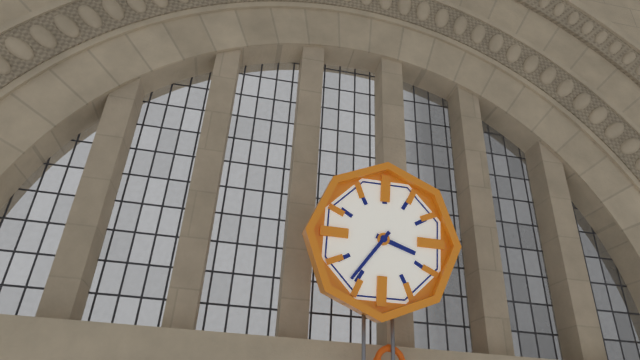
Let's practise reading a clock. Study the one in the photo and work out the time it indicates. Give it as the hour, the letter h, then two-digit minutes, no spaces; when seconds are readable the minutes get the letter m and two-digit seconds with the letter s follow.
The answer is 3h36
